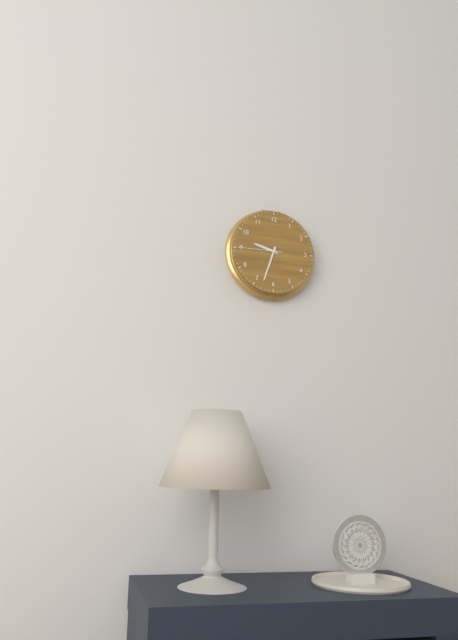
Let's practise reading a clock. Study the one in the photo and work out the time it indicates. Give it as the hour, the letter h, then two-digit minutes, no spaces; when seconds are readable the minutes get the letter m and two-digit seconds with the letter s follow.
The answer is 9h33
